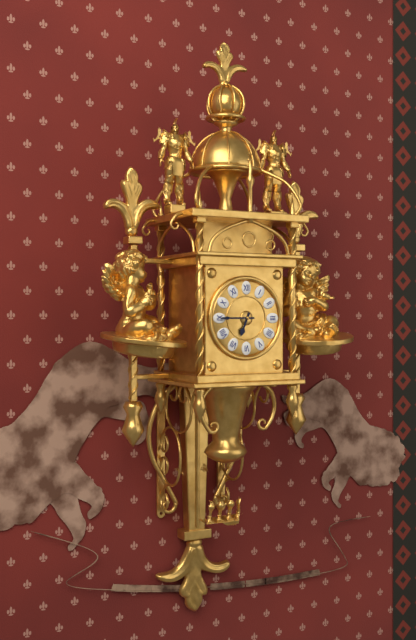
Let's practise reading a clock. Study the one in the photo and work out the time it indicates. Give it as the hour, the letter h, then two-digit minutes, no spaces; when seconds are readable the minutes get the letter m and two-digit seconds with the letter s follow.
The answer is 6h45
